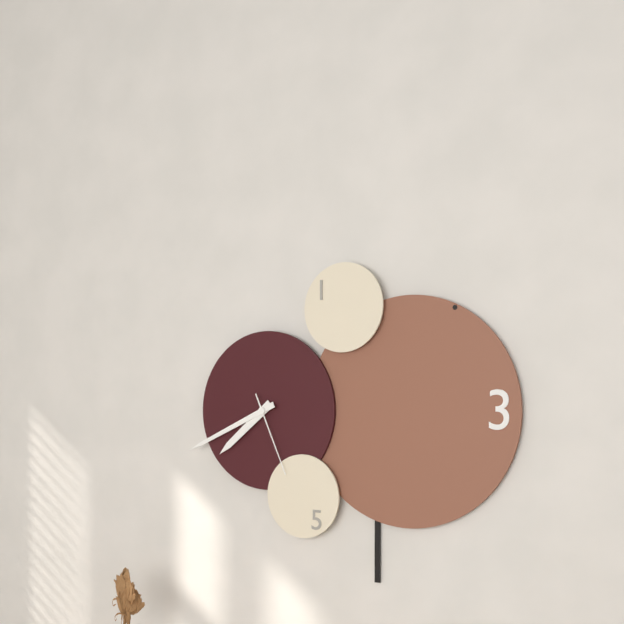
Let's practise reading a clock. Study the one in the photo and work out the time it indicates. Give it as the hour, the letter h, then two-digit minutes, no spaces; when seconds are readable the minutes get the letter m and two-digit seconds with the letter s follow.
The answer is 7h41m26s
